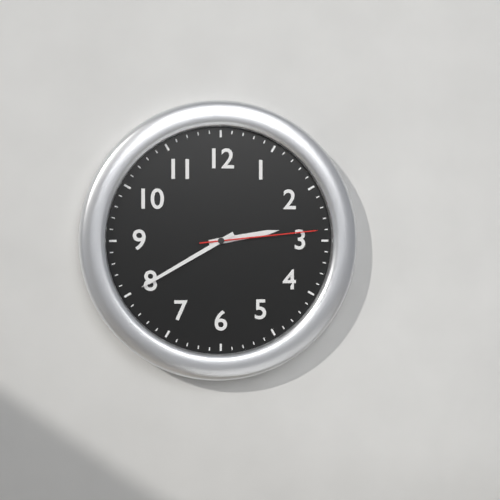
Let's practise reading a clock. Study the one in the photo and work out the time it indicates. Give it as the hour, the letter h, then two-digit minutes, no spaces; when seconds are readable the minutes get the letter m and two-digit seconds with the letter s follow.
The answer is 2h40m14s
